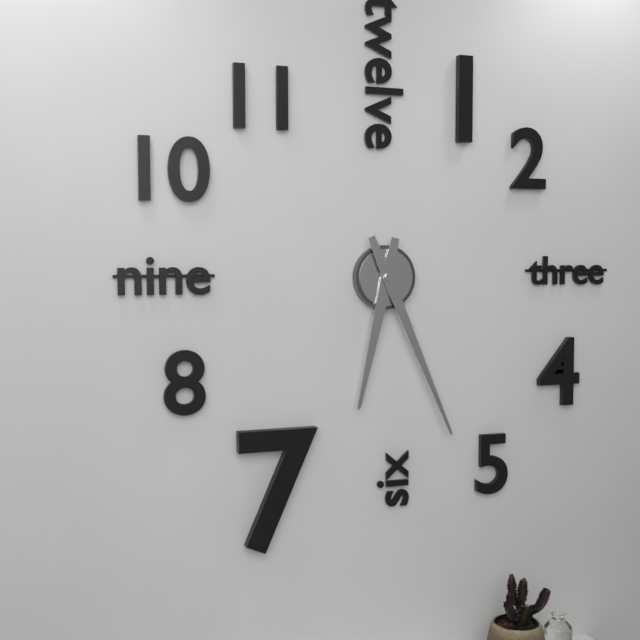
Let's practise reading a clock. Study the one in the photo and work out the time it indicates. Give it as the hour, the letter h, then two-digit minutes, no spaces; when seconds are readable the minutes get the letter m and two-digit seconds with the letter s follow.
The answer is 6h26
